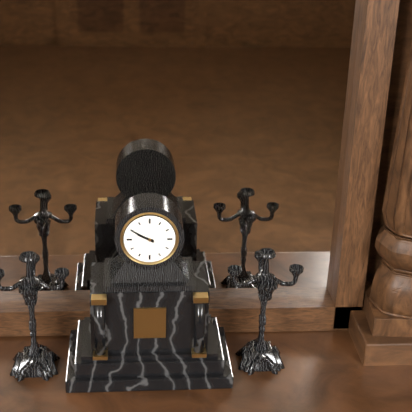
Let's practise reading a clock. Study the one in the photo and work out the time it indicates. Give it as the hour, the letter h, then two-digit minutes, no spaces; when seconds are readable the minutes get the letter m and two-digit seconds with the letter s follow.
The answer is 9h50
